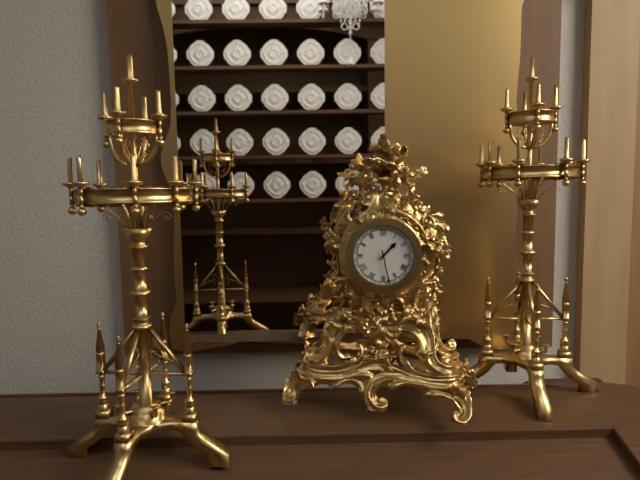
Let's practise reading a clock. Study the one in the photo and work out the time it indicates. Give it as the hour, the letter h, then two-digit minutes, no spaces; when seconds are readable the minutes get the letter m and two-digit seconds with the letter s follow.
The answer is 1h28
